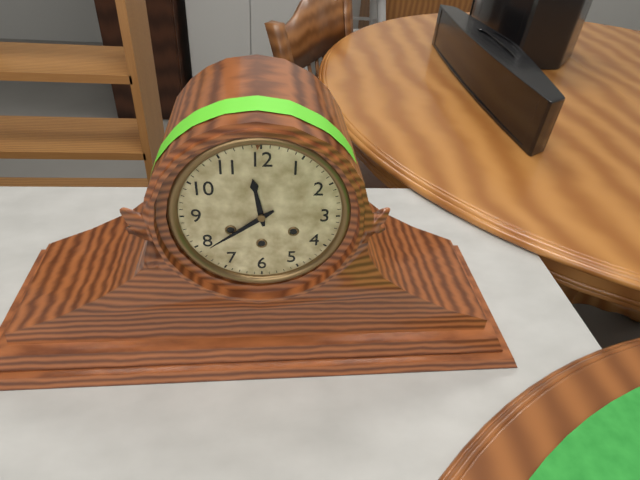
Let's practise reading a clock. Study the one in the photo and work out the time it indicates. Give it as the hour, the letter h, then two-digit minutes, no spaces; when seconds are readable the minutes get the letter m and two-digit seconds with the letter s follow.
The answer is 11h39
